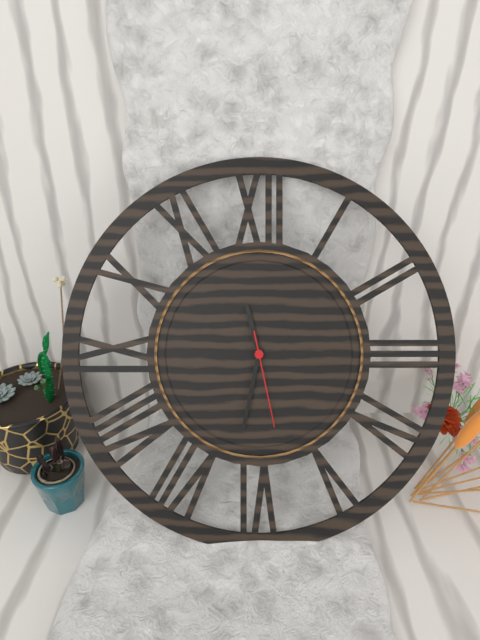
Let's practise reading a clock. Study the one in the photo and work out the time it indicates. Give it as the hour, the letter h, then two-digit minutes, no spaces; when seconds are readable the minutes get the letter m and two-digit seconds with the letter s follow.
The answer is 11h32m28s
